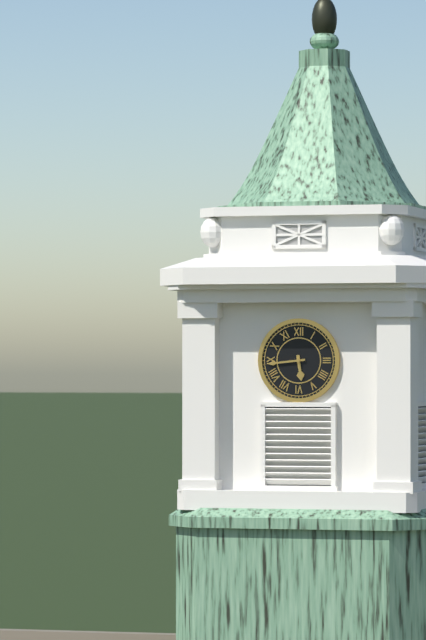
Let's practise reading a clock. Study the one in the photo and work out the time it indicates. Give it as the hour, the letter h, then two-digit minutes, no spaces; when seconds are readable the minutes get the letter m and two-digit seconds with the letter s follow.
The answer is 5h44
